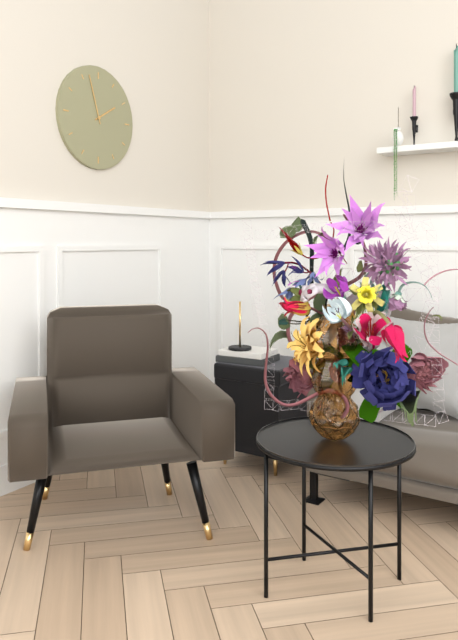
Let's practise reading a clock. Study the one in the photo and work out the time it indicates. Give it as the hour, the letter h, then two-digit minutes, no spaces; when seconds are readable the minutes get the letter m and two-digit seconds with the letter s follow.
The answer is 1h57
